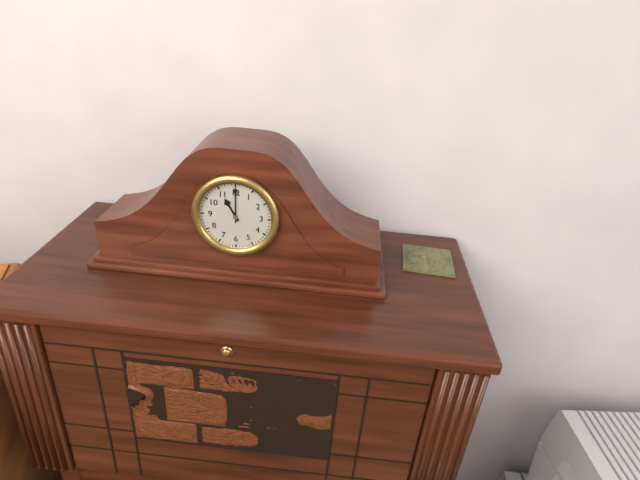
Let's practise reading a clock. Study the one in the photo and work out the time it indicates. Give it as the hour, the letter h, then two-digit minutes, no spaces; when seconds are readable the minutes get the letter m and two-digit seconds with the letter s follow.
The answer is 11h00
